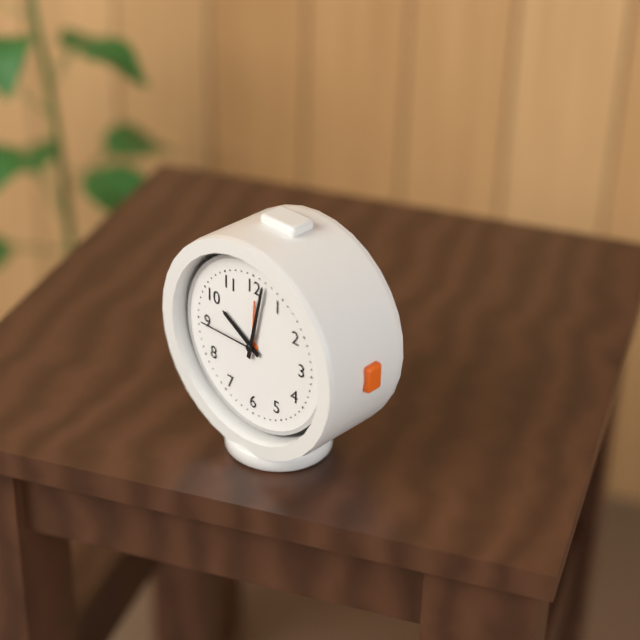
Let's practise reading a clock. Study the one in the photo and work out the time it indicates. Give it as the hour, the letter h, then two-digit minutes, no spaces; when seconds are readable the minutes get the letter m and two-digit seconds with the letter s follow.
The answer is 10h02m45s
